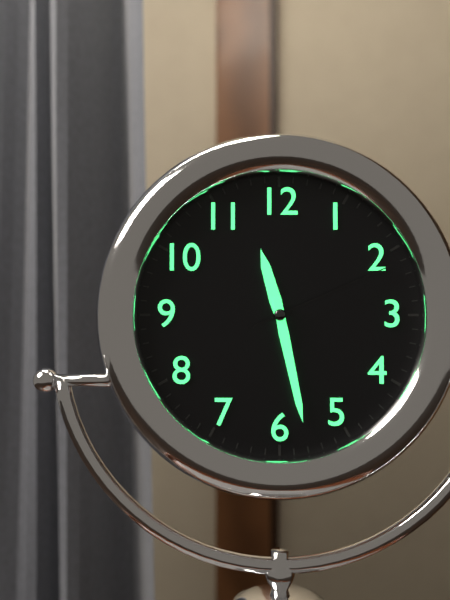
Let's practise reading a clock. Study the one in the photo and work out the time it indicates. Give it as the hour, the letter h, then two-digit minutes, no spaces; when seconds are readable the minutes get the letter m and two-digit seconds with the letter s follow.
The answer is 11h28m11s
